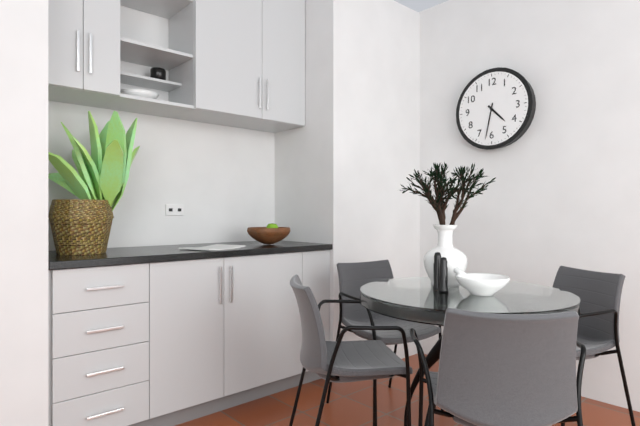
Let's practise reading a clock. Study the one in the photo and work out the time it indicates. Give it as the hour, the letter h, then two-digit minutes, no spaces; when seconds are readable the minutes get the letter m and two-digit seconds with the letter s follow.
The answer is 4h32
